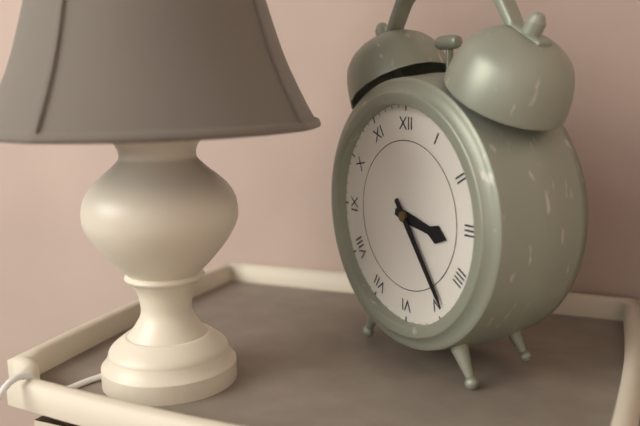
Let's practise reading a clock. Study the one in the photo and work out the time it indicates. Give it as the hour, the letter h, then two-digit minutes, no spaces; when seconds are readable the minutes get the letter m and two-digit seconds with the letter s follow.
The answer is 3h24
